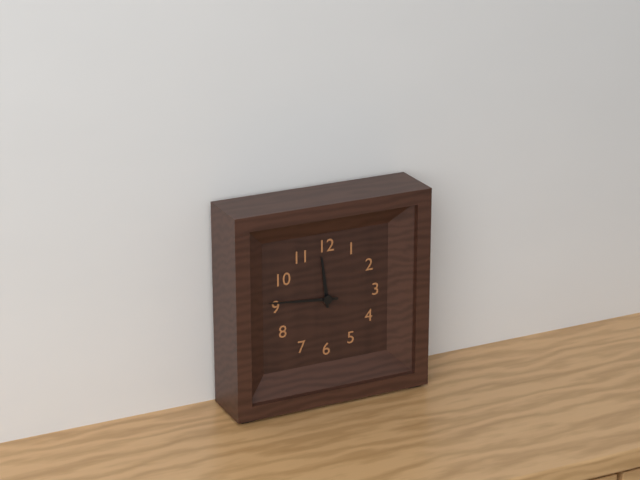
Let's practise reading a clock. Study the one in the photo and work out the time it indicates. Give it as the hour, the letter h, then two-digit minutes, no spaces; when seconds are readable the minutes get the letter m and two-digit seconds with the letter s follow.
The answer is 11h46
